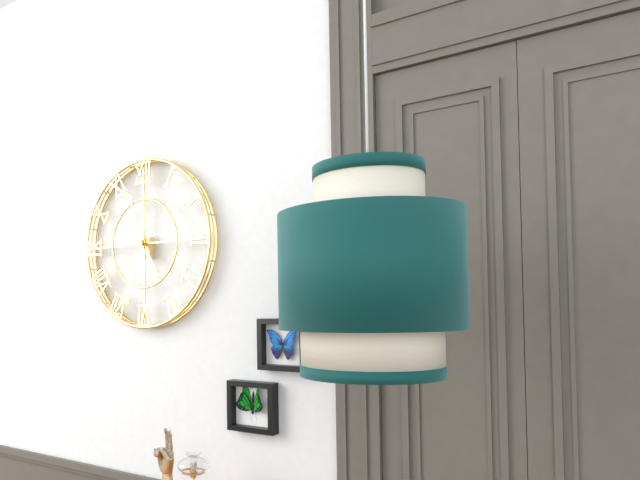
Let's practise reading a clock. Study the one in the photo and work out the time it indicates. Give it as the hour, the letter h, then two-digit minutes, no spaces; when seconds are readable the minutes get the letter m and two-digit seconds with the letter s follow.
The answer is 4h57
